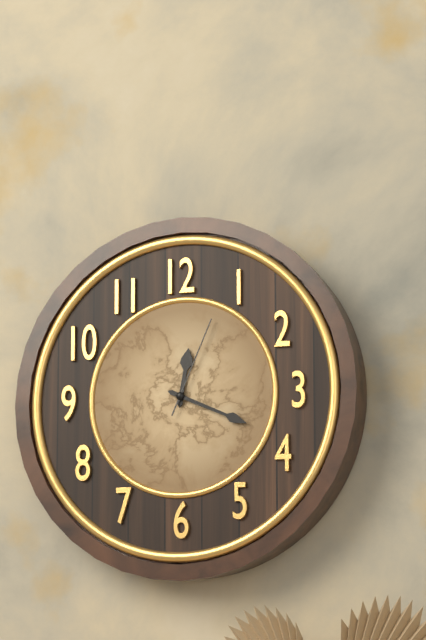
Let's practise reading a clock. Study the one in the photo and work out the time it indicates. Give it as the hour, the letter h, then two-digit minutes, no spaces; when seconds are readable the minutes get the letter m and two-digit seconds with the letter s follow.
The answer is 12h19m04s
